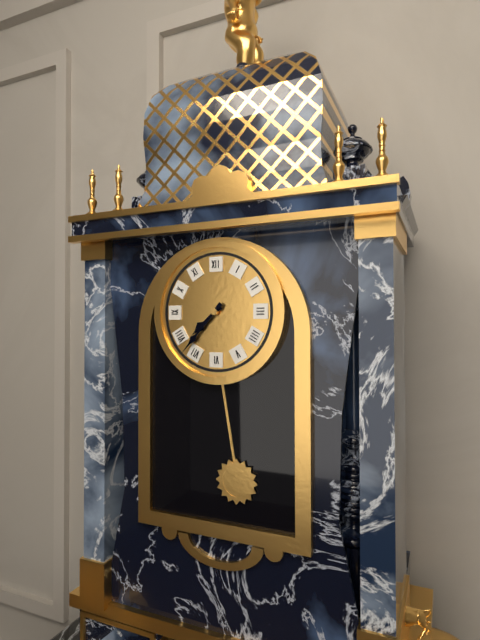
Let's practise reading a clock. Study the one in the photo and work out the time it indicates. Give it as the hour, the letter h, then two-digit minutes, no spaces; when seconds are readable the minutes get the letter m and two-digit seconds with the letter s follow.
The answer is 7h37
